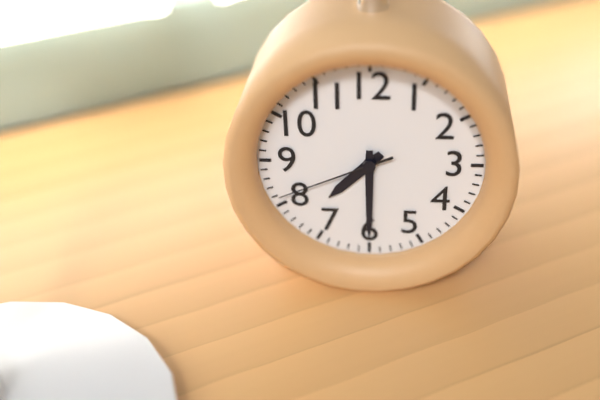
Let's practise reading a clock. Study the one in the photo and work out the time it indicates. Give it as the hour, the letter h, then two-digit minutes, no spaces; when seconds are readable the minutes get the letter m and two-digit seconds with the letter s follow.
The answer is 7h30m41s
